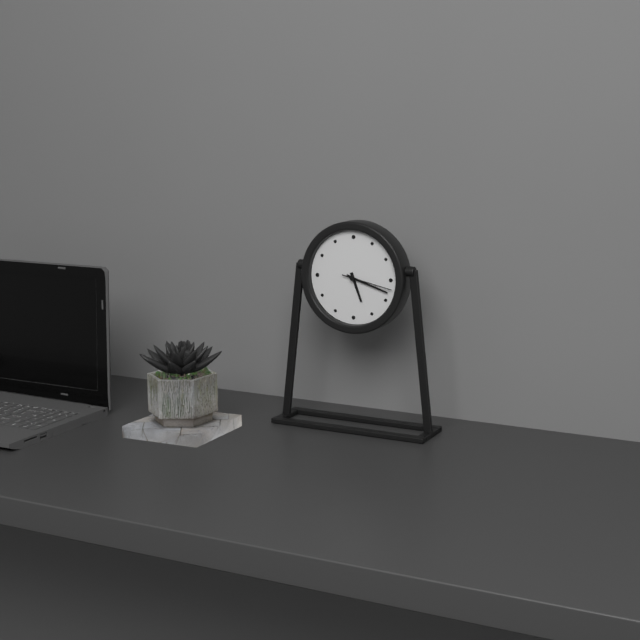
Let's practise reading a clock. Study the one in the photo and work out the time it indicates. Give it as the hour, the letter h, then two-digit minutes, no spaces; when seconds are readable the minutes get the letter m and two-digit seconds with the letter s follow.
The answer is 5h18m17s
